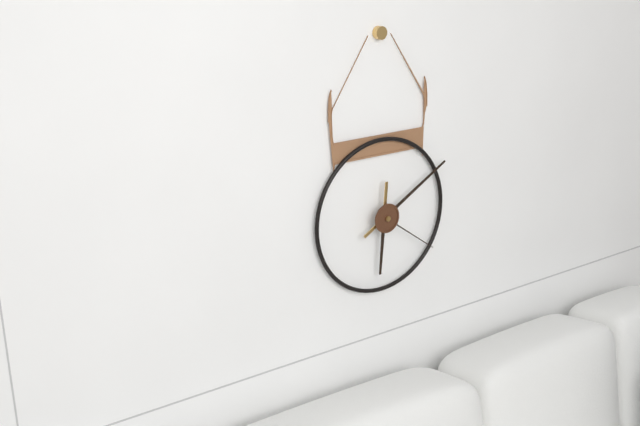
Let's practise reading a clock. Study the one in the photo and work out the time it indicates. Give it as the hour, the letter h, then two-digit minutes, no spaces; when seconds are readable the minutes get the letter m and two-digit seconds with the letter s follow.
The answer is 6h10m21s
